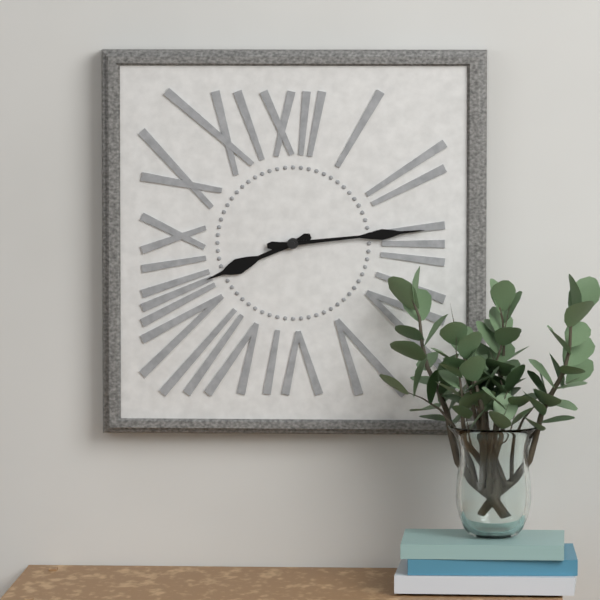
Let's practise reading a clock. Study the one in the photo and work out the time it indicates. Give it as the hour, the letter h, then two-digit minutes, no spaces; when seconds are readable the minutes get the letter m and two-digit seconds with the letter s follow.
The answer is 8h14
